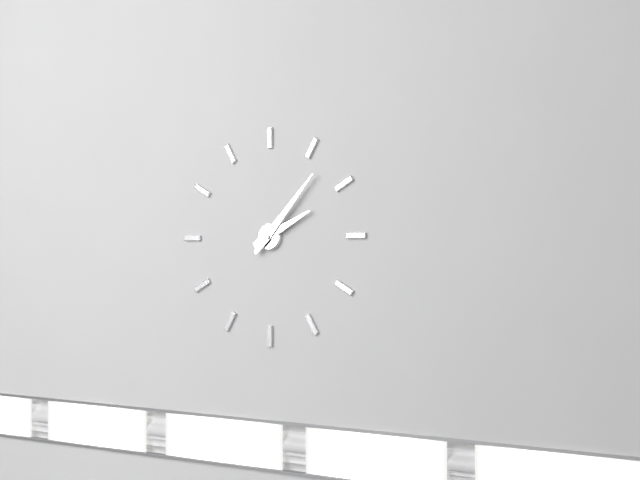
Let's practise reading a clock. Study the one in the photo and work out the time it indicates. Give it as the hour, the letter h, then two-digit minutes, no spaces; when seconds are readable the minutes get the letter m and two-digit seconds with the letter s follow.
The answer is 2h07
